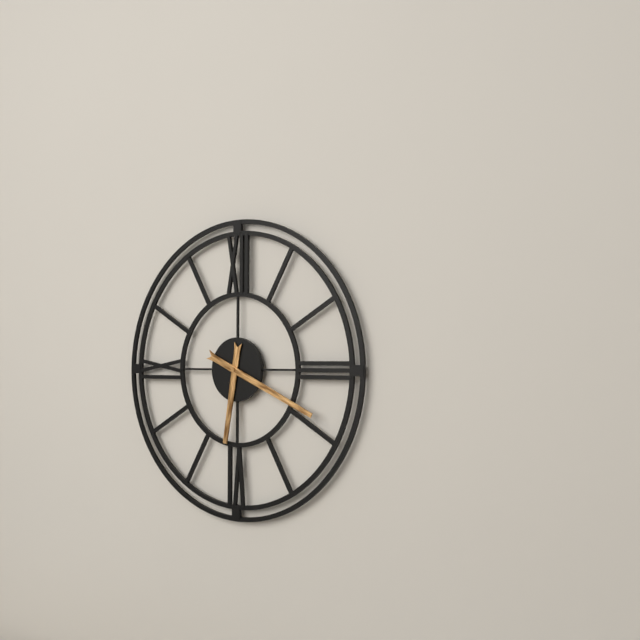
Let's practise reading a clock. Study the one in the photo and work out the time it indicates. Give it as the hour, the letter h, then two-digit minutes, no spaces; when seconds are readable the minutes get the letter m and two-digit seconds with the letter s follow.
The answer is 6h19
